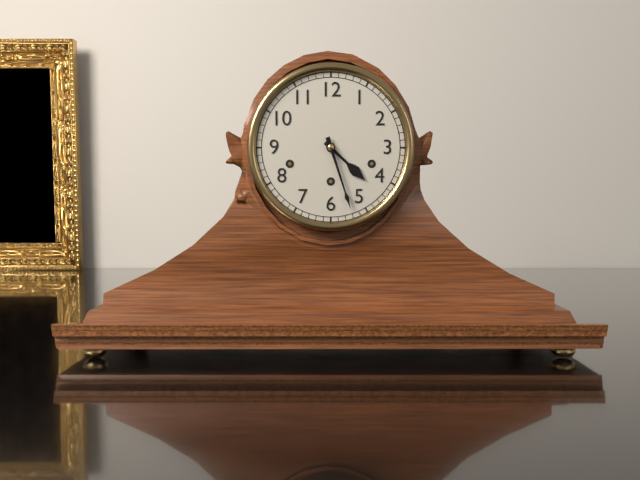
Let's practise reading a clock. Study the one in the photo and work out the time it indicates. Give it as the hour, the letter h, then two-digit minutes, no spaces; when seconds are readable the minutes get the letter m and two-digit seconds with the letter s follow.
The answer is 4h27
